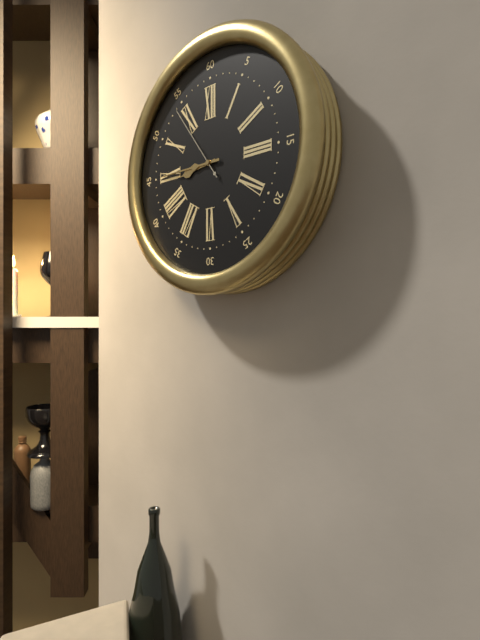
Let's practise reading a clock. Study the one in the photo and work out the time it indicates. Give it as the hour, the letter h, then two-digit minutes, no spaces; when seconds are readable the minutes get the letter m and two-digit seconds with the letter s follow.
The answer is 8h45m54s
